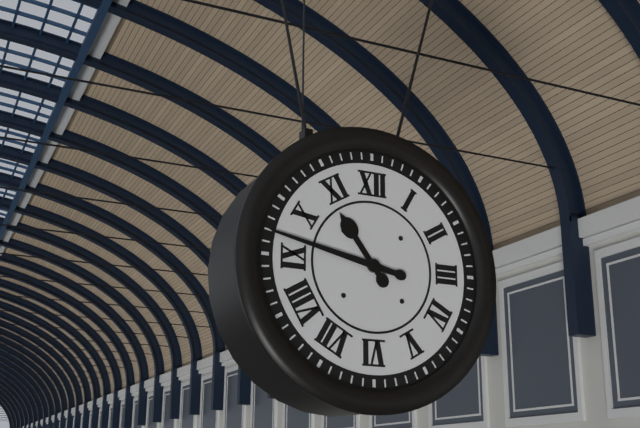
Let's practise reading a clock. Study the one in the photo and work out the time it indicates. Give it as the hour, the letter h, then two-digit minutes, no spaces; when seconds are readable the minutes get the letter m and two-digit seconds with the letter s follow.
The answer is 10h47
